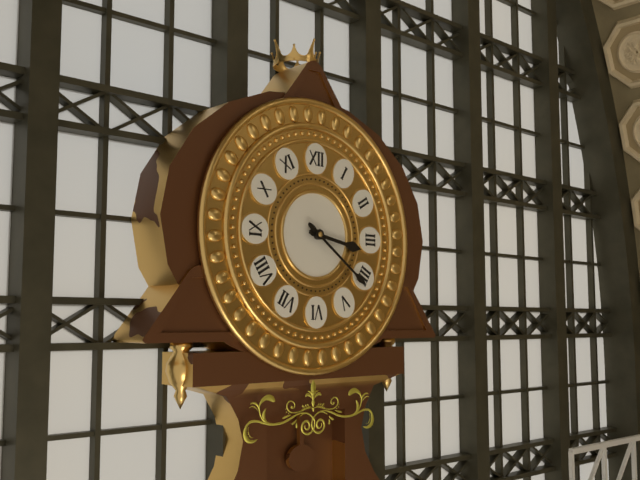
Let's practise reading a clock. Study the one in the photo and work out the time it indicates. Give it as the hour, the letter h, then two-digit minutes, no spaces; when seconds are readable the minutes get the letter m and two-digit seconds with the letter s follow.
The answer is 3h21
